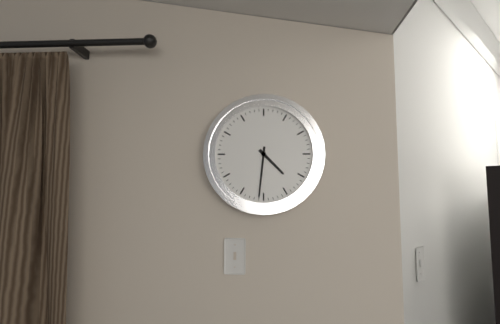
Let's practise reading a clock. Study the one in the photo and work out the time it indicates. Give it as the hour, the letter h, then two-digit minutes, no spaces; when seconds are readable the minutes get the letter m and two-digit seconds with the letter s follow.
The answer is 4h31
